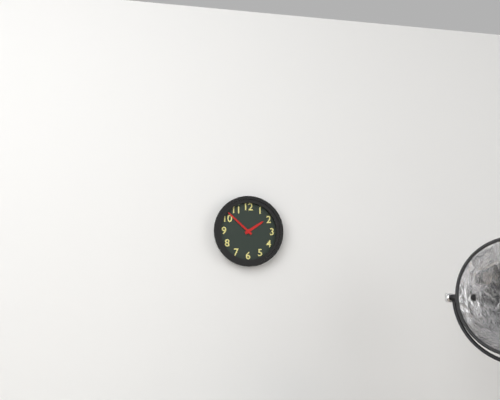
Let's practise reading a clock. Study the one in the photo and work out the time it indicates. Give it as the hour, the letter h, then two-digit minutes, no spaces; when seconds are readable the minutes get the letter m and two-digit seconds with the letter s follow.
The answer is 1h52
